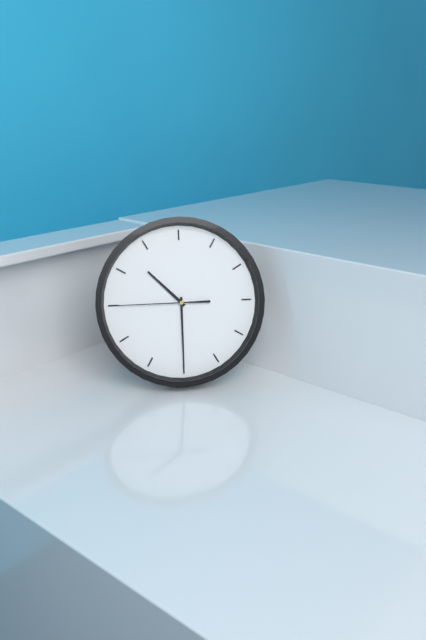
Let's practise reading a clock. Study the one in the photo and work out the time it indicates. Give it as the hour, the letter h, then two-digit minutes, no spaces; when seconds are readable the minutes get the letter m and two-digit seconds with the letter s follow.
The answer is 10h30m45s
